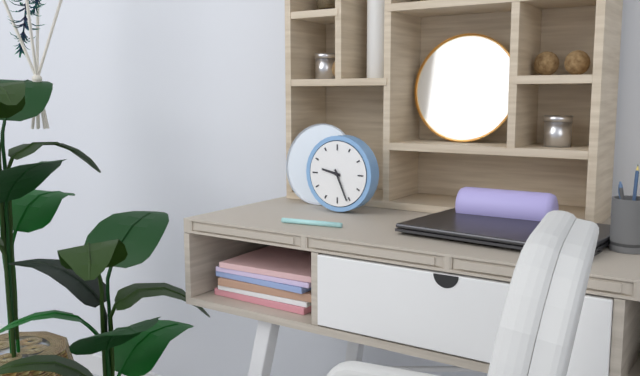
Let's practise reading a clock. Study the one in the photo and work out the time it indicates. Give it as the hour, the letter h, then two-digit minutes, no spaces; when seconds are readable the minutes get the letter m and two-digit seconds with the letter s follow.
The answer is 9h26
